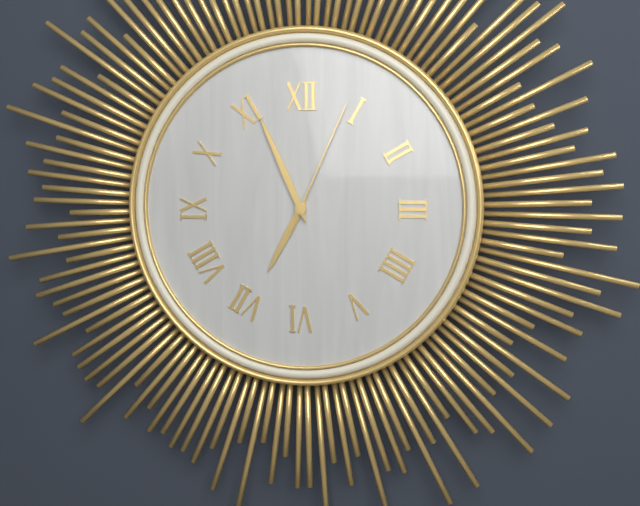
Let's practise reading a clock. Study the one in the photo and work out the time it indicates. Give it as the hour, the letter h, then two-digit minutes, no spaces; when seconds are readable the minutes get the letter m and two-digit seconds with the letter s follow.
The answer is 6h56m04s
